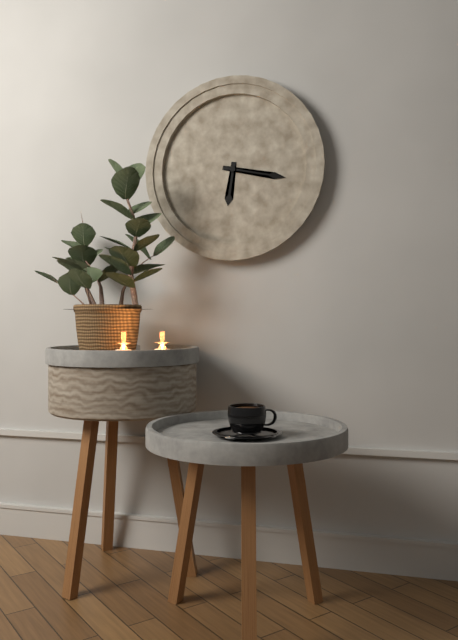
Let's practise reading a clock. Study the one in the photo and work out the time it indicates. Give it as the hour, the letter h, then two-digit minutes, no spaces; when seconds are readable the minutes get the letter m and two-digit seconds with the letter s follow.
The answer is 6h17
